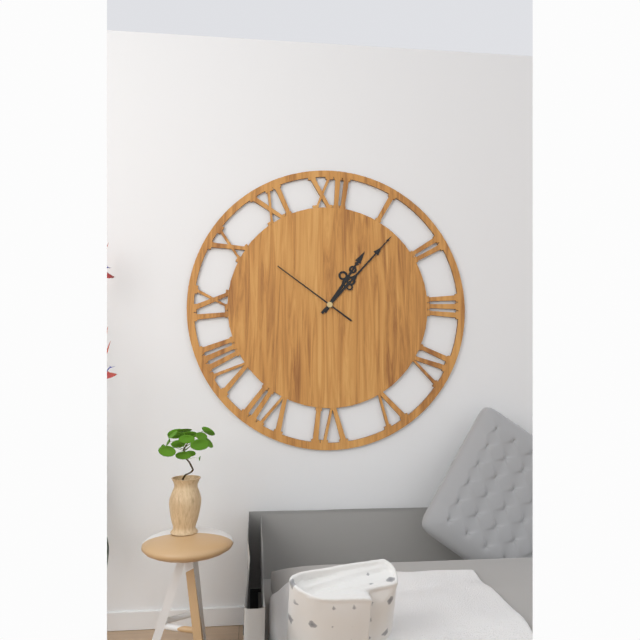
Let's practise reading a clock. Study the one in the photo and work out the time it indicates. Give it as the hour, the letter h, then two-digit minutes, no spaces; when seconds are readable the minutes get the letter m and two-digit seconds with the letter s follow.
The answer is 1h07m51s
